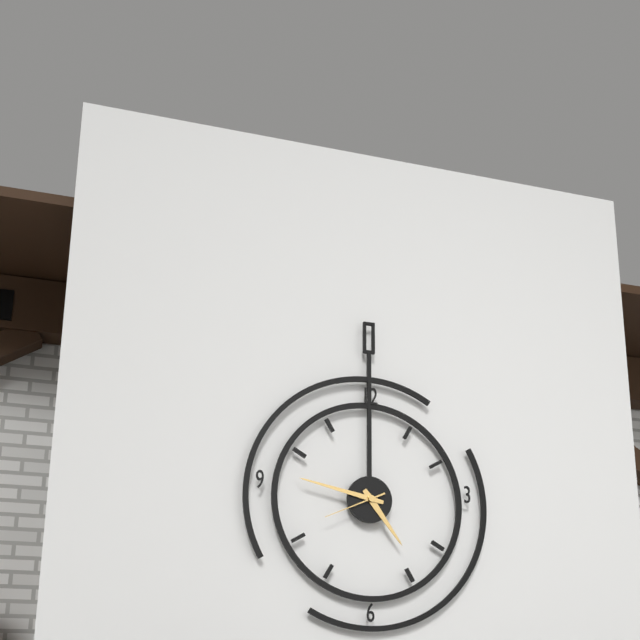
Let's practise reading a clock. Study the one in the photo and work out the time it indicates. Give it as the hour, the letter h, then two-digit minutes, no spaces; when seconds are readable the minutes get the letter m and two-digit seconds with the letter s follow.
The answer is 4h47m41s
